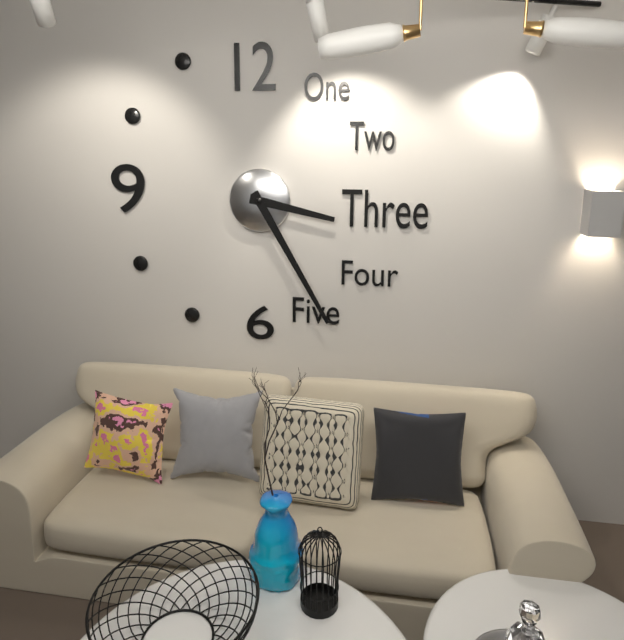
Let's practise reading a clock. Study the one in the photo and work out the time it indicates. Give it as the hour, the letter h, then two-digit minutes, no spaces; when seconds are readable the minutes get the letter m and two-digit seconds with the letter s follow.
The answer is 3h25
